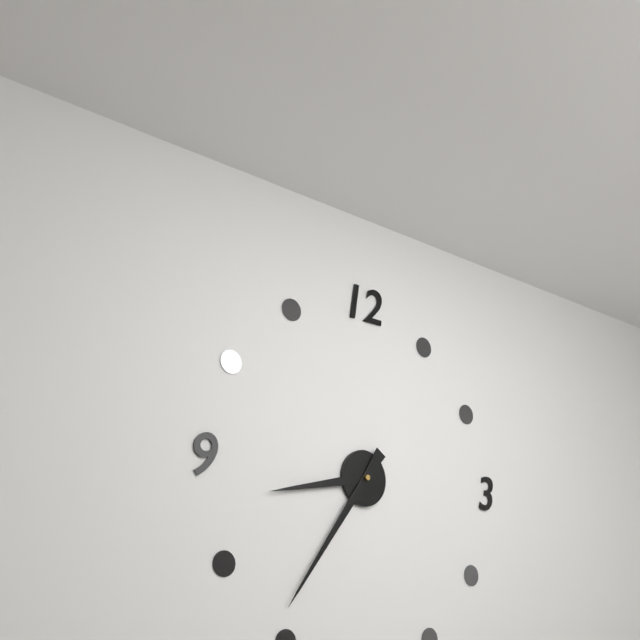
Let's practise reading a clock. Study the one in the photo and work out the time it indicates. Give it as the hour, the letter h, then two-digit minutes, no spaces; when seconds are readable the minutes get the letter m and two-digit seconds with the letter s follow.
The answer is 8h36
